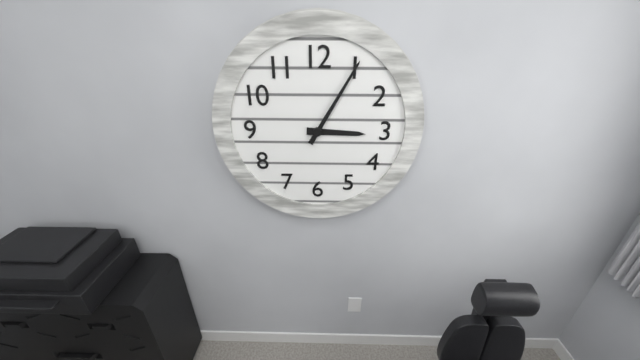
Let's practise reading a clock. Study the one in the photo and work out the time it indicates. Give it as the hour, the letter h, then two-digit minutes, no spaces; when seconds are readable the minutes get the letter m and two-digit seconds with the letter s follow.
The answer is 3h05
